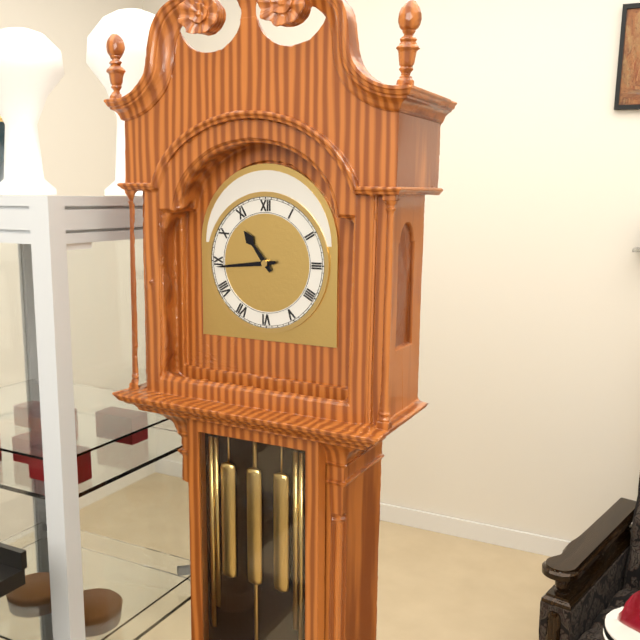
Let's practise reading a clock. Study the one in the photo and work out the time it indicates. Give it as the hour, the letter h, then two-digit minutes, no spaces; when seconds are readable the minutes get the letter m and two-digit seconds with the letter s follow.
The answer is 10h44
